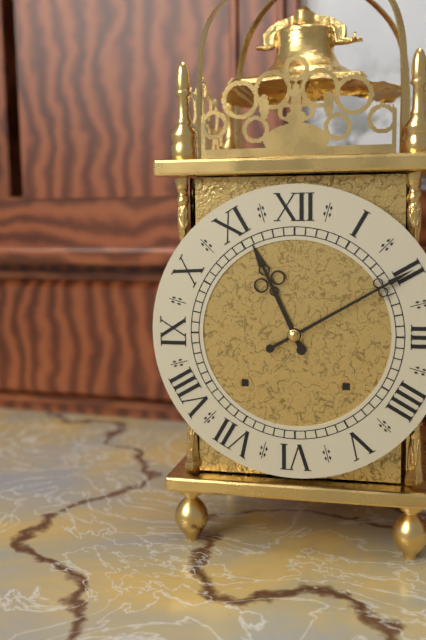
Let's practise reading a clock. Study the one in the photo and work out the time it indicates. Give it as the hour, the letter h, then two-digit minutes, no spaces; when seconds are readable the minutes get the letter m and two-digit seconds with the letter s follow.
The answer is 11h10
